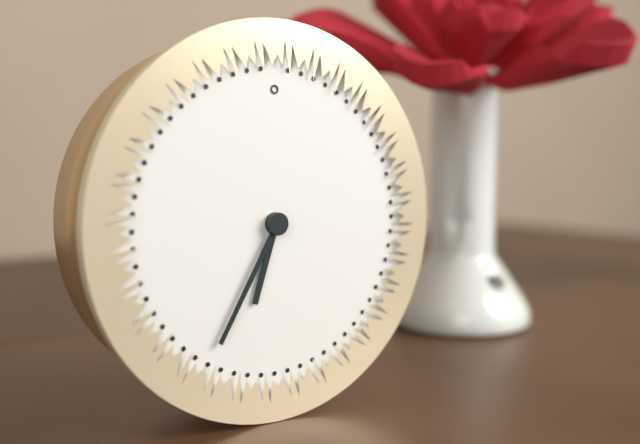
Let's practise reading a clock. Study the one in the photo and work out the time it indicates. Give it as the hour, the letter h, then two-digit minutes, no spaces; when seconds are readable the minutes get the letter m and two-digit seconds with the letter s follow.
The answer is 6h35
